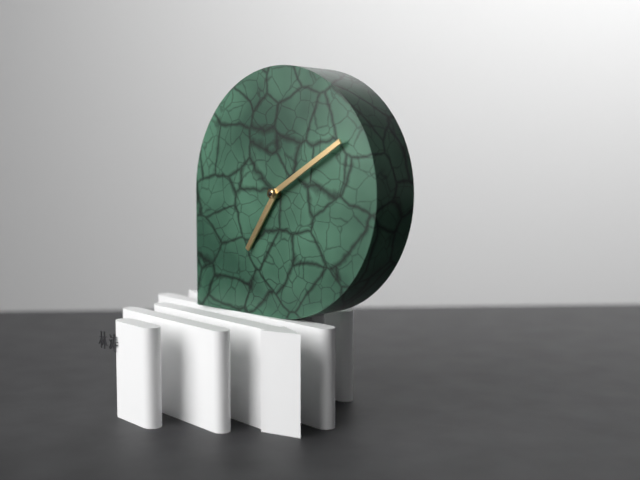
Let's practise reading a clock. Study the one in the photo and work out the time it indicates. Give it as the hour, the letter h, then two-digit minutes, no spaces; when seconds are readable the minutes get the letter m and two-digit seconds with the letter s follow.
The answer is 7h10
